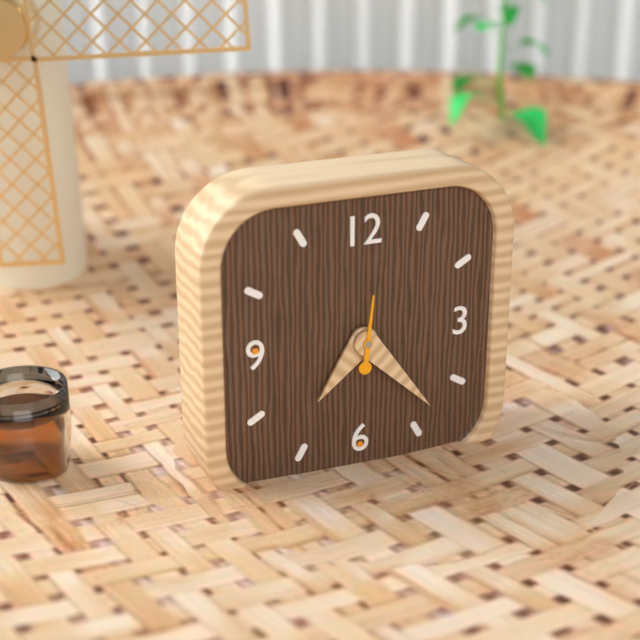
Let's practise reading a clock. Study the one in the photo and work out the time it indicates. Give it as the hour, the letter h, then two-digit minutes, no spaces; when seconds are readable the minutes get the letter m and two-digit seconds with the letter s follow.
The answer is 7h23m01s
